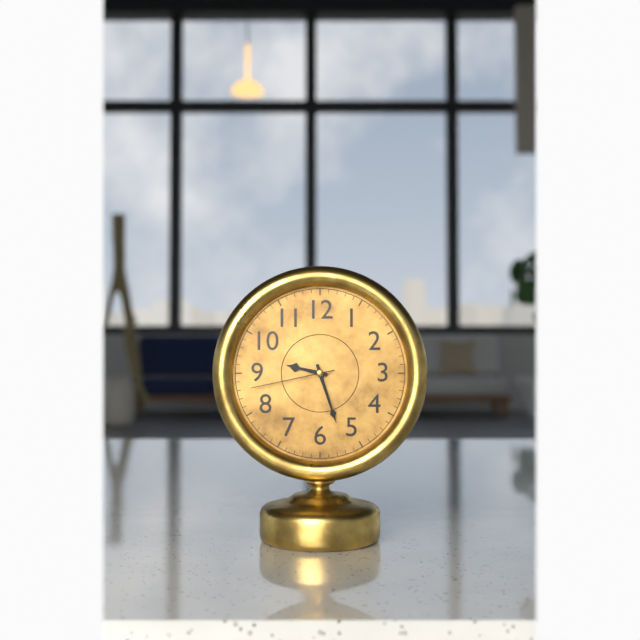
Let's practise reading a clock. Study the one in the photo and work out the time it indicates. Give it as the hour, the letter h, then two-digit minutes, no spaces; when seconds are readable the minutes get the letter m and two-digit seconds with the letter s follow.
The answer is 9h27m43s
